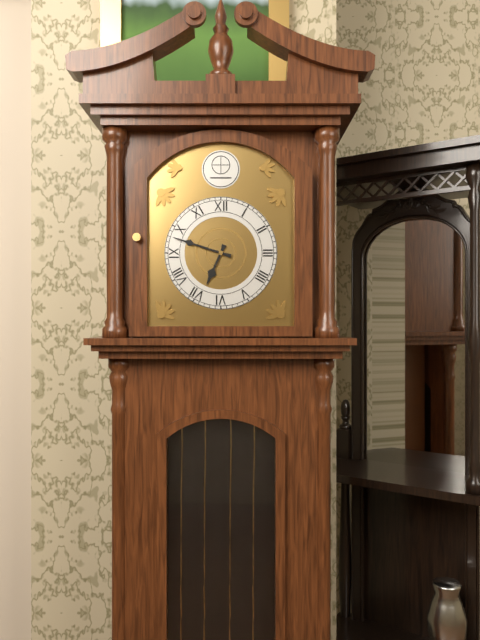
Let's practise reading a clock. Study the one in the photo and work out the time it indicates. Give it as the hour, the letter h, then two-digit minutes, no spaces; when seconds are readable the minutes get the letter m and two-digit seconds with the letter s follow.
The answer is 6h48
